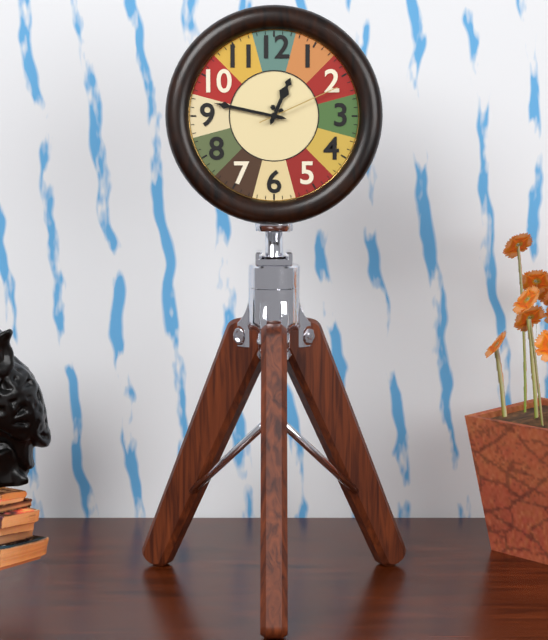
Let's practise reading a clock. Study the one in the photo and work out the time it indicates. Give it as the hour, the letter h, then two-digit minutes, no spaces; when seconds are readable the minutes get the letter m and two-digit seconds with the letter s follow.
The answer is 12h47m11s
